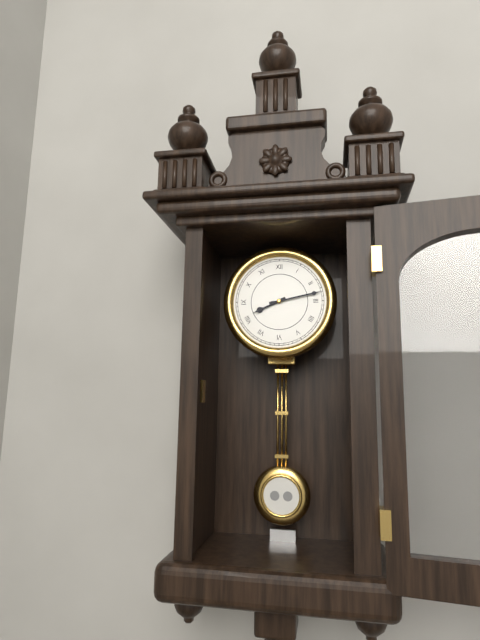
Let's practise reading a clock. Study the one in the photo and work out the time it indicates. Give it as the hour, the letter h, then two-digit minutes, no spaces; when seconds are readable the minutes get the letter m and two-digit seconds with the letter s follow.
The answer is 8h13
